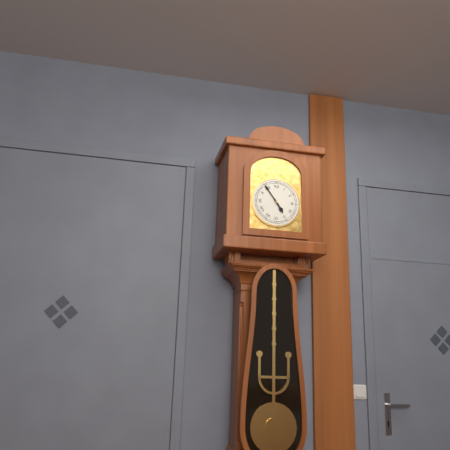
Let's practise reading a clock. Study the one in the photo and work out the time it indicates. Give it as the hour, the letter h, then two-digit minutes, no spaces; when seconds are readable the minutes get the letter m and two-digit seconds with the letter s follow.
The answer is 4h54
